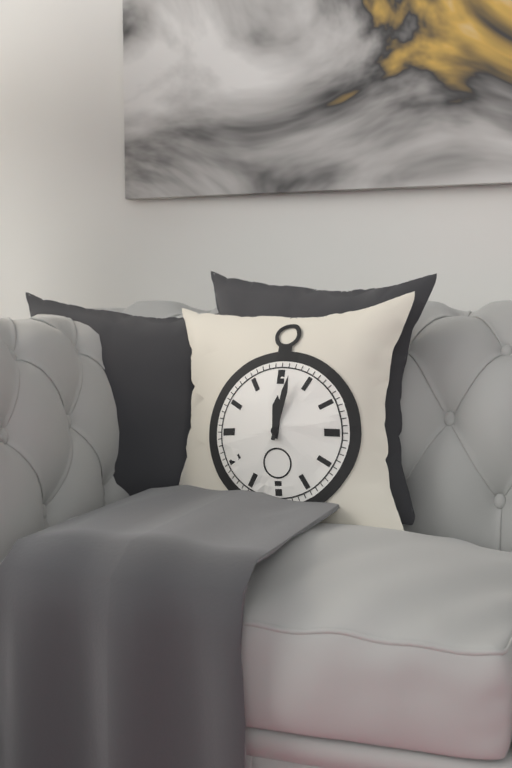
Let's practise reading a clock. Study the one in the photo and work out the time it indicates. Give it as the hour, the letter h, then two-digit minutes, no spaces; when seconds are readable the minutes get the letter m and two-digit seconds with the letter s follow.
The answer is 12h02
